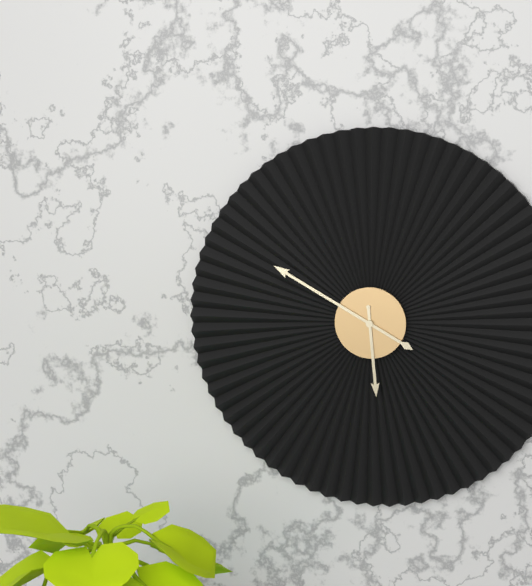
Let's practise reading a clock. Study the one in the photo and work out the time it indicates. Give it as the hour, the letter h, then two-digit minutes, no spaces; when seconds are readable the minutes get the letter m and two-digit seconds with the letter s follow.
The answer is 5h50
